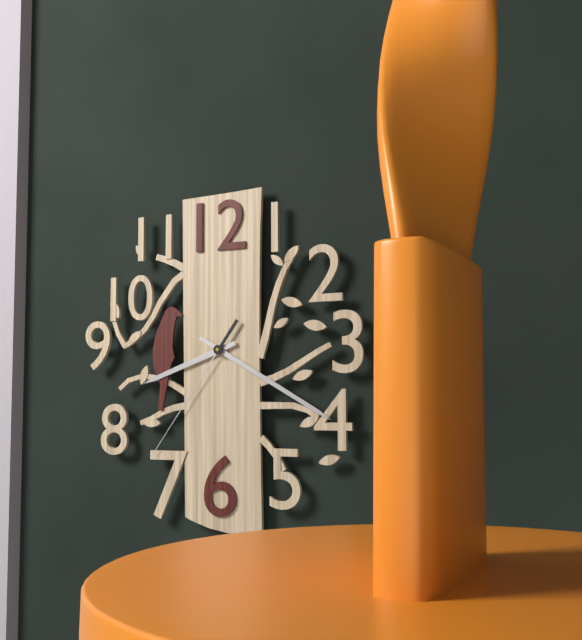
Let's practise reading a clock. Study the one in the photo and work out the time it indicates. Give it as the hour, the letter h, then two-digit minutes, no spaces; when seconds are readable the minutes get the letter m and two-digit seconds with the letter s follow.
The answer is 8h20m36s
